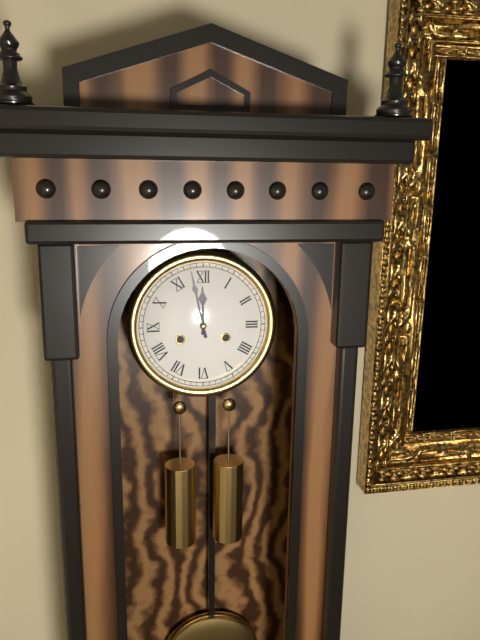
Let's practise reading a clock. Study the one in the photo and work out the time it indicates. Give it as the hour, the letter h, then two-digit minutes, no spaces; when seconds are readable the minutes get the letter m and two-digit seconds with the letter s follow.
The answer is 11h58
